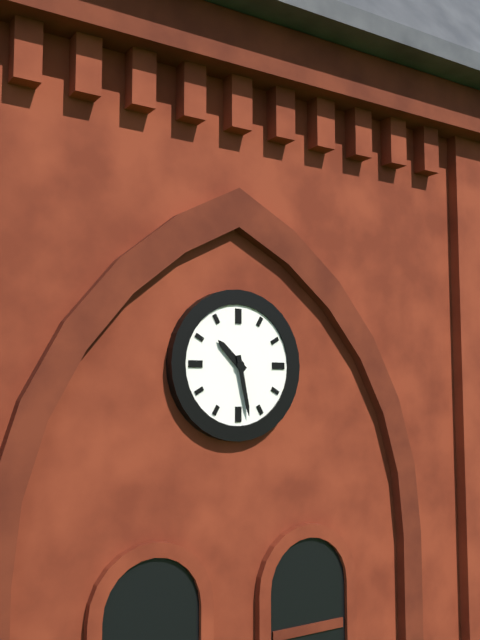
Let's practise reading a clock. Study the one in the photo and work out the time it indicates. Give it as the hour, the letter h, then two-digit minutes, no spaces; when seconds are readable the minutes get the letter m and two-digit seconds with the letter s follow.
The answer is 10h28
